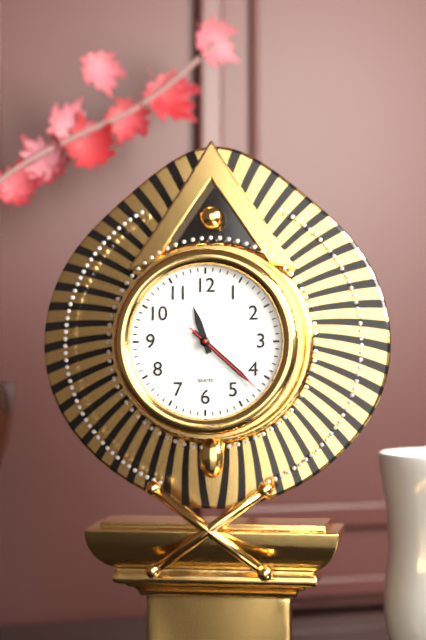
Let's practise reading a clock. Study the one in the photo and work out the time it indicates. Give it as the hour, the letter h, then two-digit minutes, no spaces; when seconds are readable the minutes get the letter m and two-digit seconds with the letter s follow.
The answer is 11h22m22s
